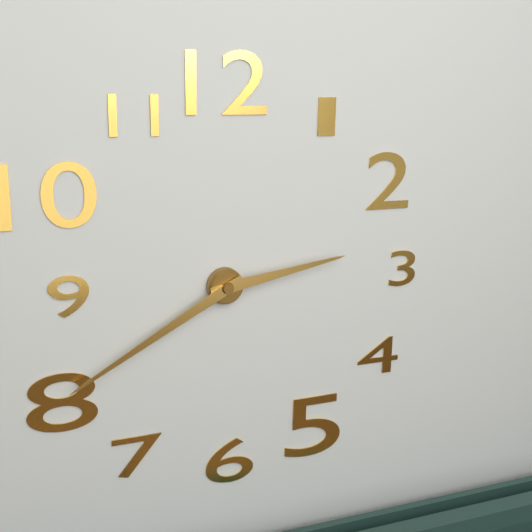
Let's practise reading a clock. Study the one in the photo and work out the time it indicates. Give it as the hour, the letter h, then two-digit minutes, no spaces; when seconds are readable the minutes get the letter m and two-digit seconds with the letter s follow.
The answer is 2h40
